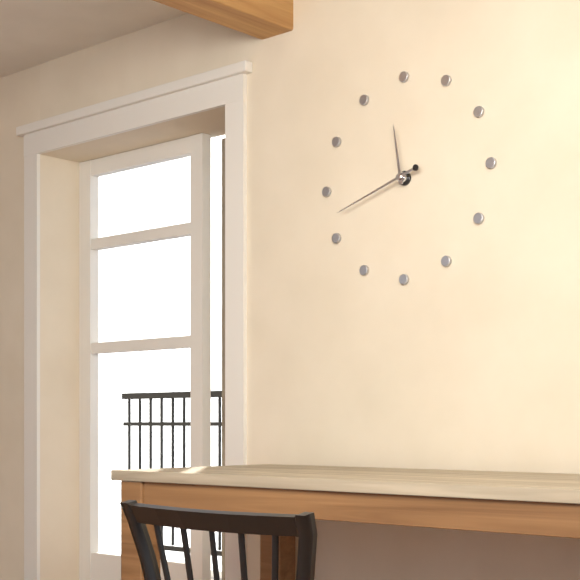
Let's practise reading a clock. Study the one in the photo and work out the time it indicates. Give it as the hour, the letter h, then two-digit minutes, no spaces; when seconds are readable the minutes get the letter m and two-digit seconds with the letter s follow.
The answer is 11h42
